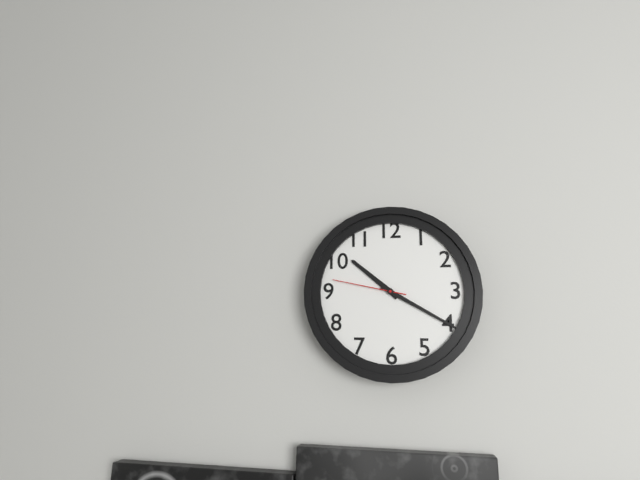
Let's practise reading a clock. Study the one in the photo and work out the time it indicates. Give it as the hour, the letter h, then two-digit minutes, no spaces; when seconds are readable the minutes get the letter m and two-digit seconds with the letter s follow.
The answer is 10h20m47s
